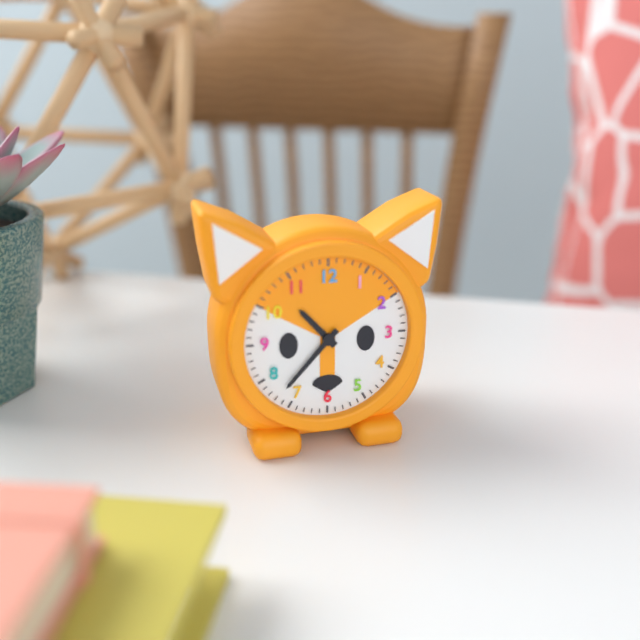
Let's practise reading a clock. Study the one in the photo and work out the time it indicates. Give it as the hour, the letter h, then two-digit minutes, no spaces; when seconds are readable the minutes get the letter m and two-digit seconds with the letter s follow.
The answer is 10h37
